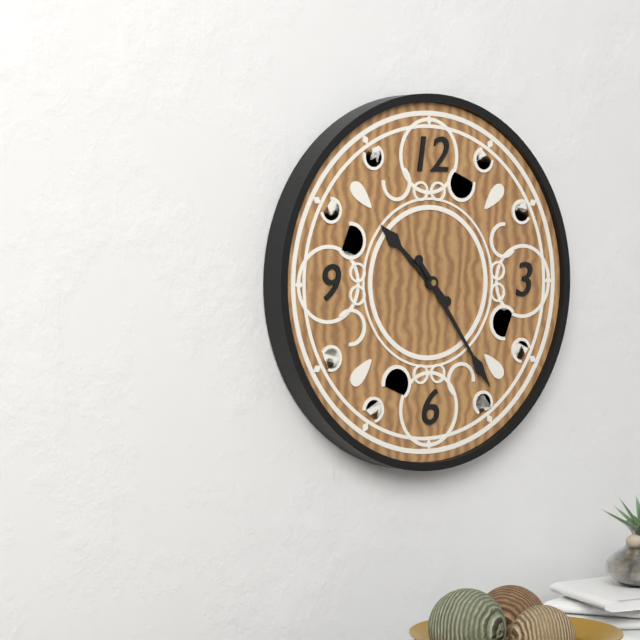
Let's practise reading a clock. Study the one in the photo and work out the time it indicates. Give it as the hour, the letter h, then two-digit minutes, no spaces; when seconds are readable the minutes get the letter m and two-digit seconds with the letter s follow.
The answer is 10h24
